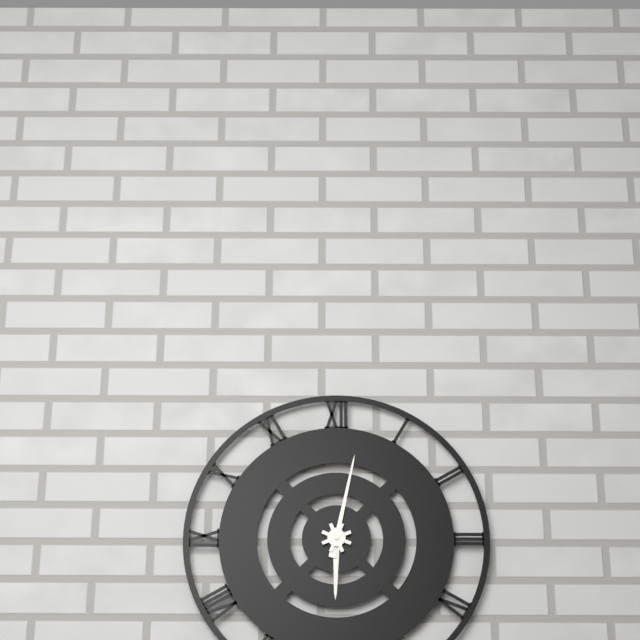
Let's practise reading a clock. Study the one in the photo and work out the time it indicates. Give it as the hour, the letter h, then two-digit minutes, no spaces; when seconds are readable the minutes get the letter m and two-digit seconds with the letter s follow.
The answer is 6h02
